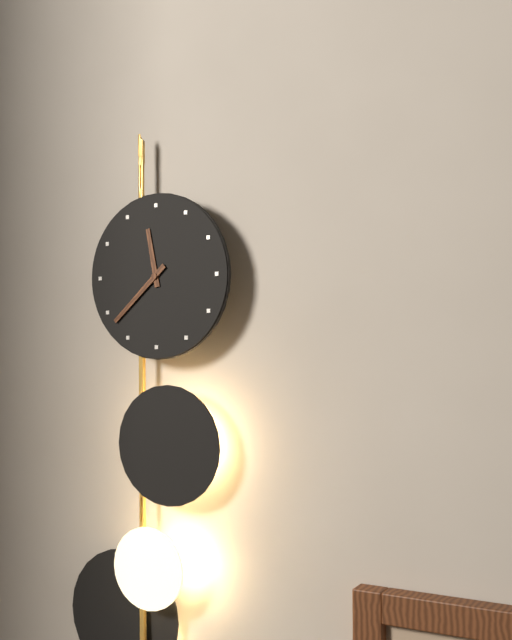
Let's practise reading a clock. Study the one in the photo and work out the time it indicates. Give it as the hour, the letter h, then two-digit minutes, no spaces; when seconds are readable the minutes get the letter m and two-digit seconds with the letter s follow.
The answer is 11h38
